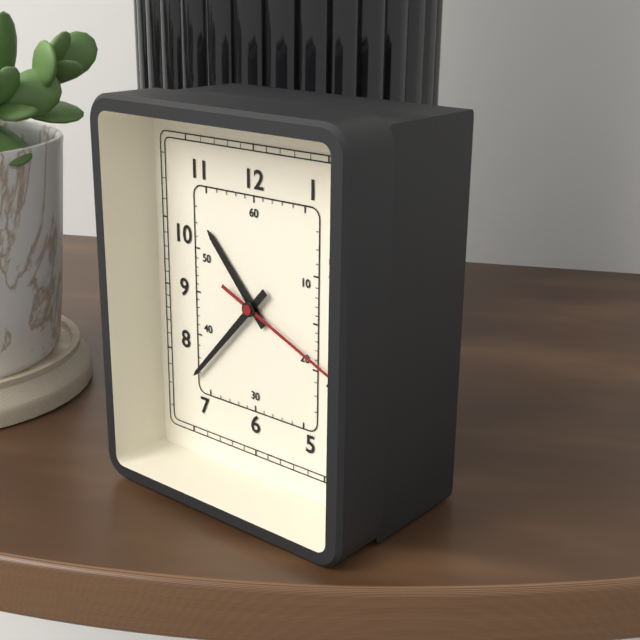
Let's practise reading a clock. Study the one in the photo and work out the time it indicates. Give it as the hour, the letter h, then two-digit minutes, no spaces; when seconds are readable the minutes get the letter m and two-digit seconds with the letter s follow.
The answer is 10h37m19s
